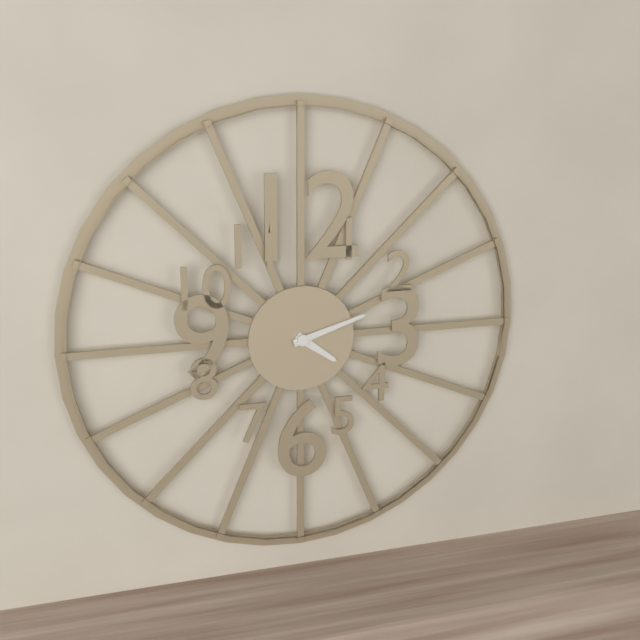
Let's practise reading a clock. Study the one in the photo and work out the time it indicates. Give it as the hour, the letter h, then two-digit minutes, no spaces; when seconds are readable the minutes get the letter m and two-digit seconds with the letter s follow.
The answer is 4h12
